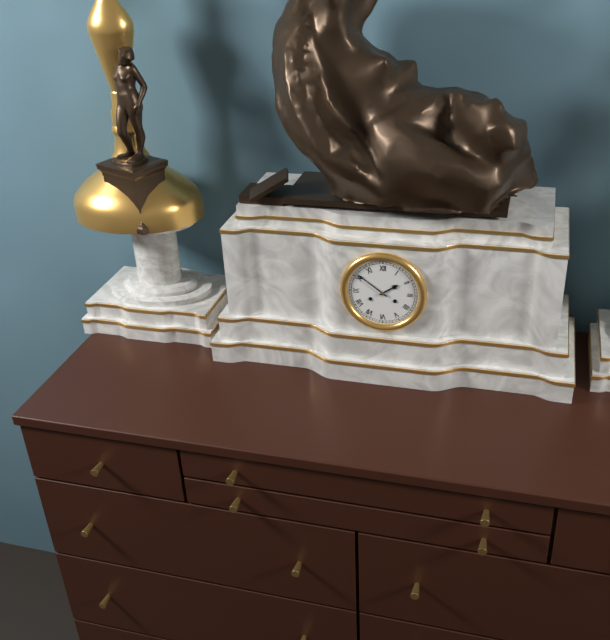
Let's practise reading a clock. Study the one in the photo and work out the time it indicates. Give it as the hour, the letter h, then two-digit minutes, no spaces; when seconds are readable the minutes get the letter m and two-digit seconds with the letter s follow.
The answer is 1h51
